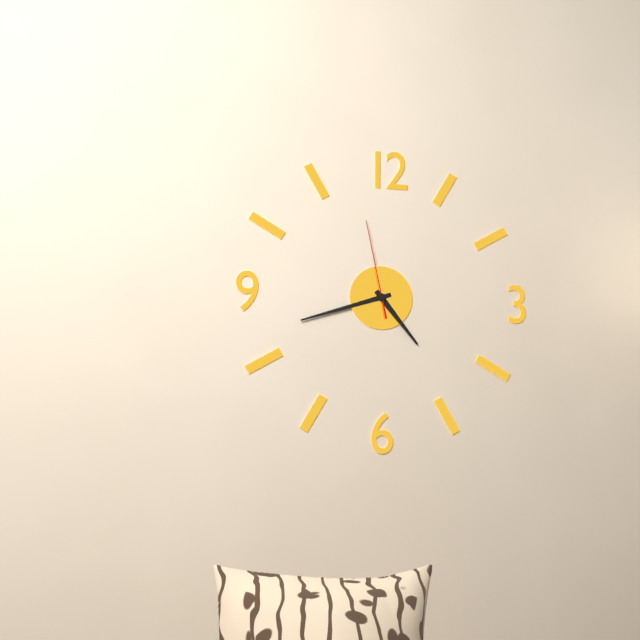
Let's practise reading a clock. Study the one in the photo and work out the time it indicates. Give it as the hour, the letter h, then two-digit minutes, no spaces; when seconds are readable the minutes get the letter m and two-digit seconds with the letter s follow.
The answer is 4h42m58s
